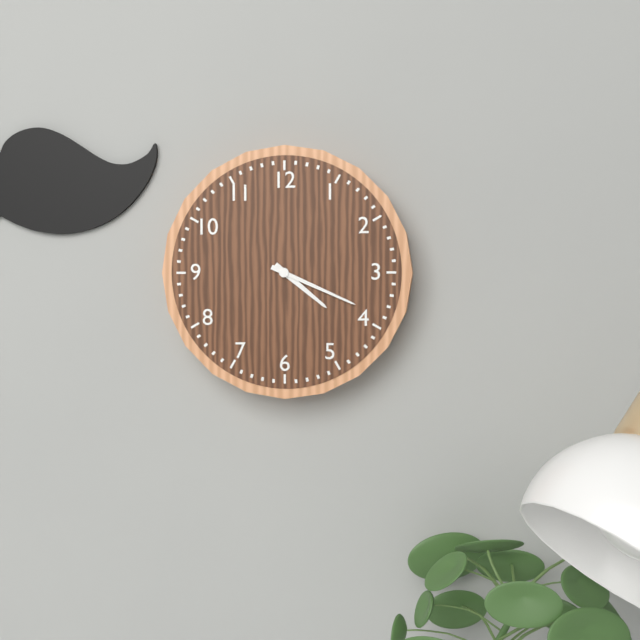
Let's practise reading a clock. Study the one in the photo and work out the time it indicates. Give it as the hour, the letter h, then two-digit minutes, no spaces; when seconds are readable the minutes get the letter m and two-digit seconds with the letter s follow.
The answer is 4h19
